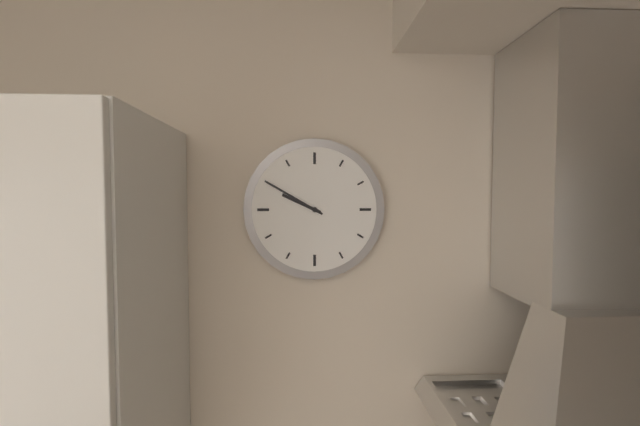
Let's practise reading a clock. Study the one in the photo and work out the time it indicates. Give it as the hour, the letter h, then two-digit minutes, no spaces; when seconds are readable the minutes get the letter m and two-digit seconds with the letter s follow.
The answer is 9h50
